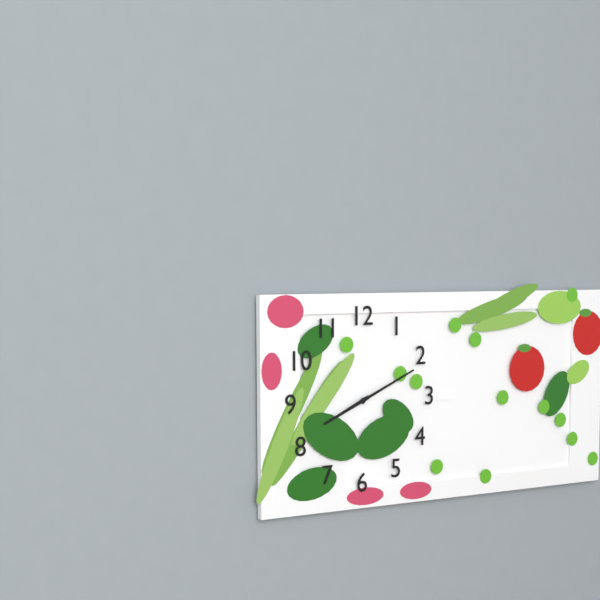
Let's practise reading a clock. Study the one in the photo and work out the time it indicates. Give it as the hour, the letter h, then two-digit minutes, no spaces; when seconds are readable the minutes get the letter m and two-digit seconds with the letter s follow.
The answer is 8h11
